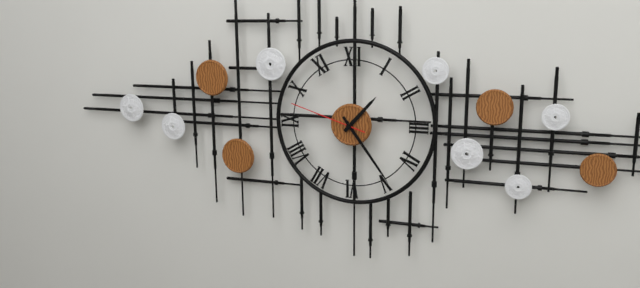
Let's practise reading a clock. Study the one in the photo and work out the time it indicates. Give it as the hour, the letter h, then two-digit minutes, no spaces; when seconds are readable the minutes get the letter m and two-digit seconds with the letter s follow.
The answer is 1h24m48s
